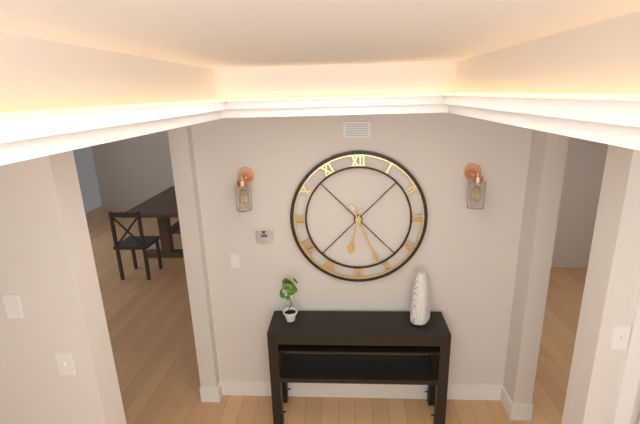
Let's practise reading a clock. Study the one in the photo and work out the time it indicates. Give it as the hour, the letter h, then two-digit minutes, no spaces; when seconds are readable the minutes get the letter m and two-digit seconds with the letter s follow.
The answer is 6h26
